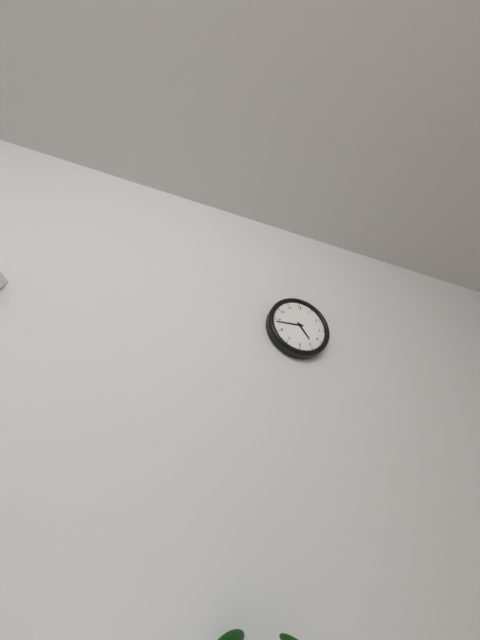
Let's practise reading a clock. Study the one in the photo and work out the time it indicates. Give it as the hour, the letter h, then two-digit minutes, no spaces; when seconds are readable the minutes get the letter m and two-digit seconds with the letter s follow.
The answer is 4h44
